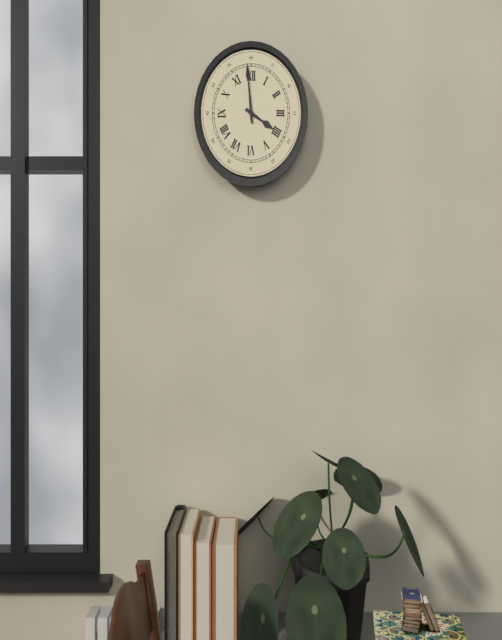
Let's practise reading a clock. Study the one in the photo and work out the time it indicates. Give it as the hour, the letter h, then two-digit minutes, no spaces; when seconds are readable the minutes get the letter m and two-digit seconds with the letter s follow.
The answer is 3h59
